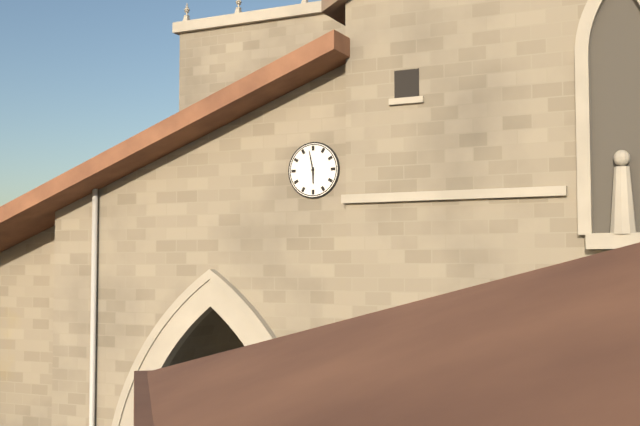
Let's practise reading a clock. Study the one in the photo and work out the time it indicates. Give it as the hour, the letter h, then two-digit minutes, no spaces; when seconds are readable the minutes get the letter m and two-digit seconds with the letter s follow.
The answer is 5h58
